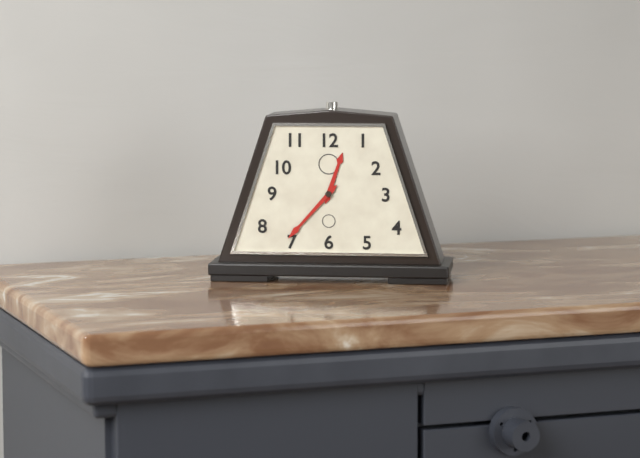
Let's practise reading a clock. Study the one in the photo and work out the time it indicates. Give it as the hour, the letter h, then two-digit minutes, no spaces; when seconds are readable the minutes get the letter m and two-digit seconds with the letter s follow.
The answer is 12h37
